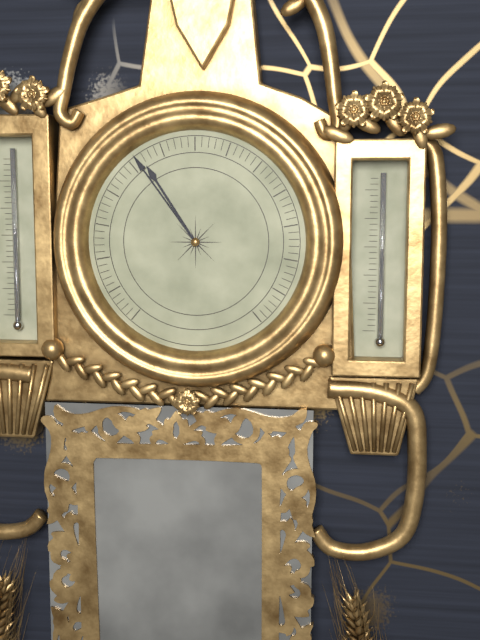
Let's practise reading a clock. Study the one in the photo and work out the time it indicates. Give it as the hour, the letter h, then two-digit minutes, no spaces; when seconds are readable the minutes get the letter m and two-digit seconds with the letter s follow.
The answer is 10h54
